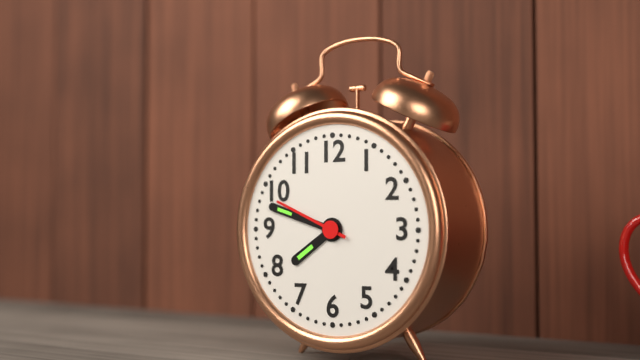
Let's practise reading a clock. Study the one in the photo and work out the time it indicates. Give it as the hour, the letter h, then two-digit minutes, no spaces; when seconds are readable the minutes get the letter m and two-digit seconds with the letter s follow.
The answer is 7h48m49s
